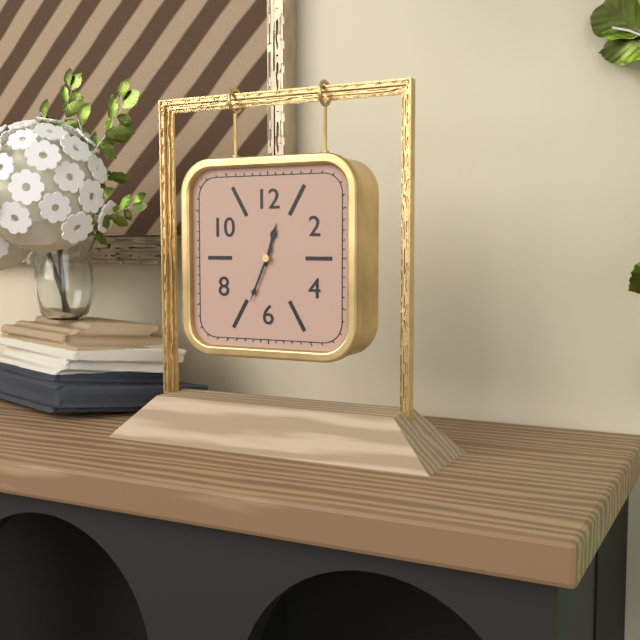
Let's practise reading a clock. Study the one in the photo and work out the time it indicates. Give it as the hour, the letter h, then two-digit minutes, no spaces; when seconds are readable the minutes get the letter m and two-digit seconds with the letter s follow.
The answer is 12h34
